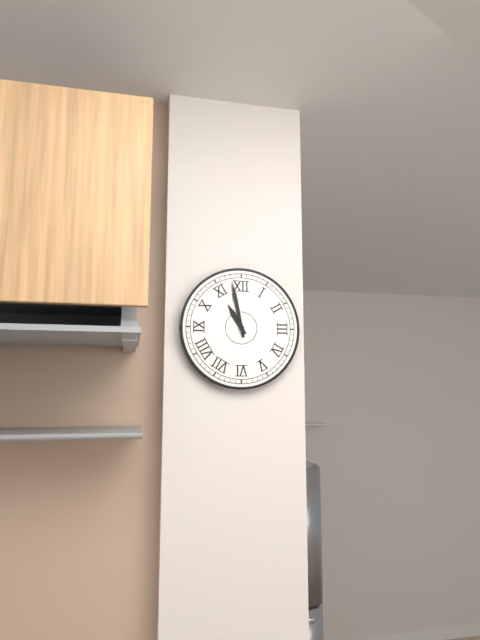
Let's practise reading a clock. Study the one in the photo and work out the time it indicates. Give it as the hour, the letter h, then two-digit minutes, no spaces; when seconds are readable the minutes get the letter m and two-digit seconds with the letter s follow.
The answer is 10h58
